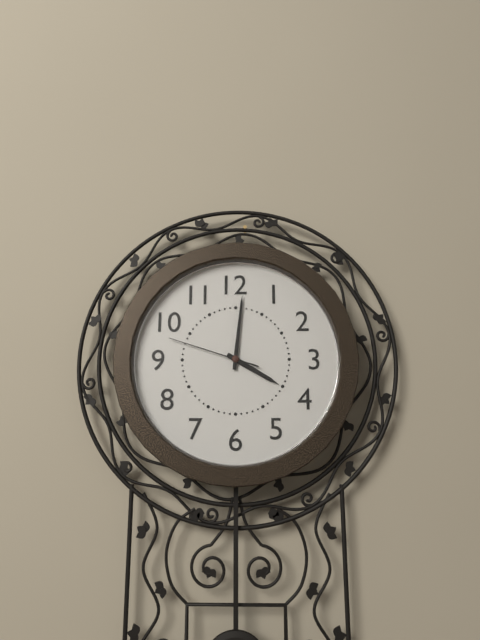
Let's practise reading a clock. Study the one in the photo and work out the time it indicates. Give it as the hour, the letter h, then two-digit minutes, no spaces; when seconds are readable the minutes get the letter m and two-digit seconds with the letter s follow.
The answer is 4h01m48s
